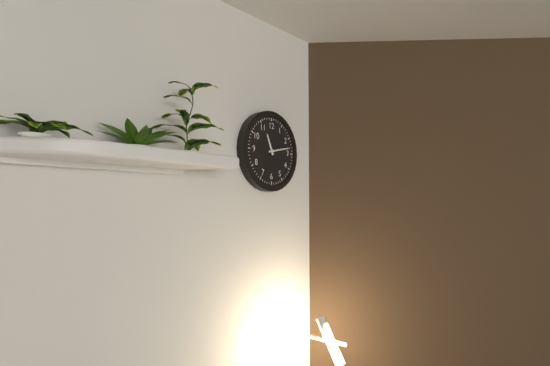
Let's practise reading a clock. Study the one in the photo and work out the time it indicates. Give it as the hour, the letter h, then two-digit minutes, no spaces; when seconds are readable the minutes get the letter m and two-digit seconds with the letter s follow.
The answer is 11h13
